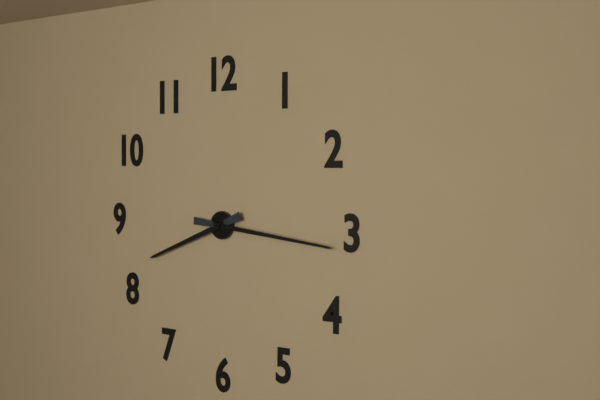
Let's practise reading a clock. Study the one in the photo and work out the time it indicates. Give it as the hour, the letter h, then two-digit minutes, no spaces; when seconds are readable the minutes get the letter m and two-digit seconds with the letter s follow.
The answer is 8h16
